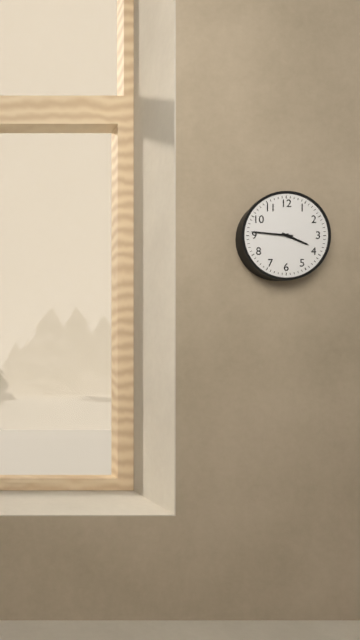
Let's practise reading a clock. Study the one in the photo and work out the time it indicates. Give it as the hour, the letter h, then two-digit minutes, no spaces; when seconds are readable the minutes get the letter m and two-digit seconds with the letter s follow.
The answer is 3h46
